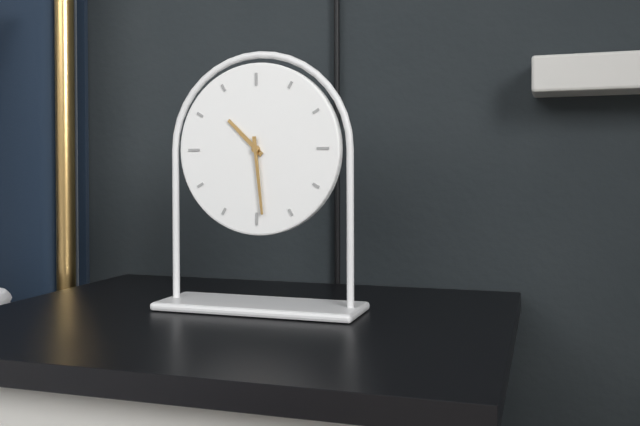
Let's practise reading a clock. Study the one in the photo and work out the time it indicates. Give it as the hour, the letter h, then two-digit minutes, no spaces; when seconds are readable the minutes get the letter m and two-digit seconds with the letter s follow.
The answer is 10h29
